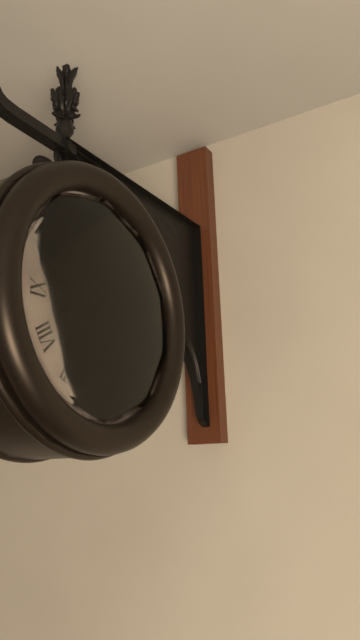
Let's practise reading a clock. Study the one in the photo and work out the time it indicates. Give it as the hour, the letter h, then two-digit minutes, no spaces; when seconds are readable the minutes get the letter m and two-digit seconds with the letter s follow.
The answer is 9h01m16s
